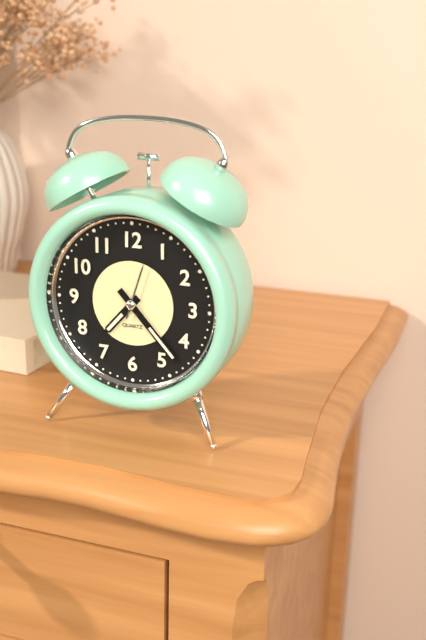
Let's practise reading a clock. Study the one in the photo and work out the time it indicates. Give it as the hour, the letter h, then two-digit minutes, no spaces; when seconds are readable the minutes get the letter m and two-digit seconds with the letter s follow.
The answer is 7h23
